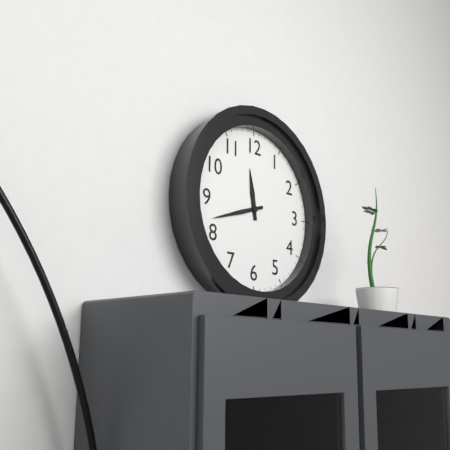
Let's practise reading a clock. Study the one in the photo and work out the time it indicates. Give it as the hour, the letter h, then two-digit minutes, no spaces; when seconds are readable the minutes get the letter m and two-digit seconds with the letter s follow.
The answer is 11h42
